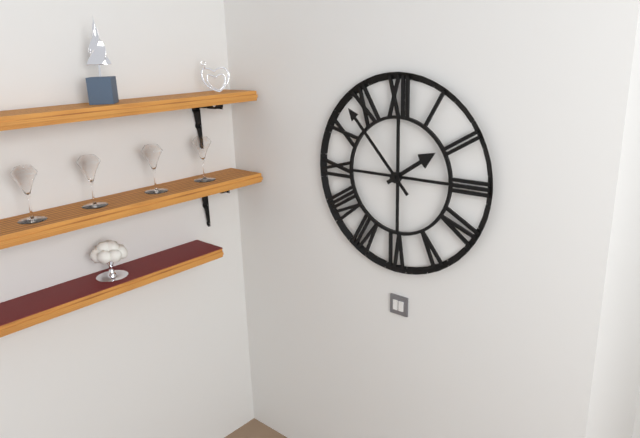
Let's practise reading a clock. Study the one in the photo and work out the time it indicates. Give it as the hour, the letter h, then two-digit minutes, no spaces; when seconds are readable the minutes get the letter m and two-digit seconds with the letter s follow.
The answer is 1h53
